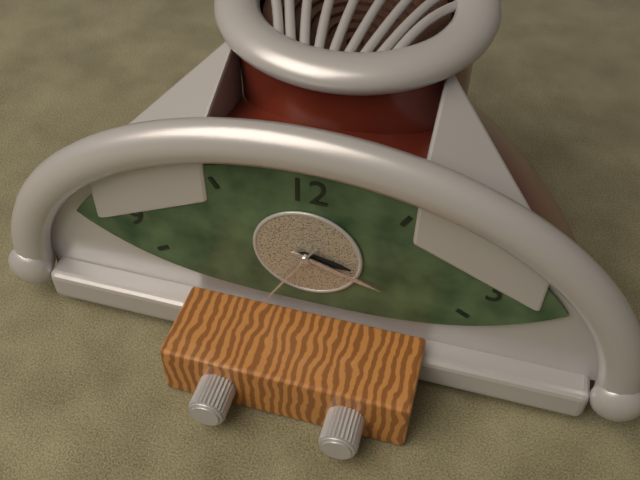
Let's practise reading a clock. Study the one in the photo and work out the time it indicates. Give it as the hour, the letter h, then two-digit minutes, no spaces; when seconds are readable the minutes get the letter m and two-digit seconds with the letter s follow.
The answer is 3h18m35s
